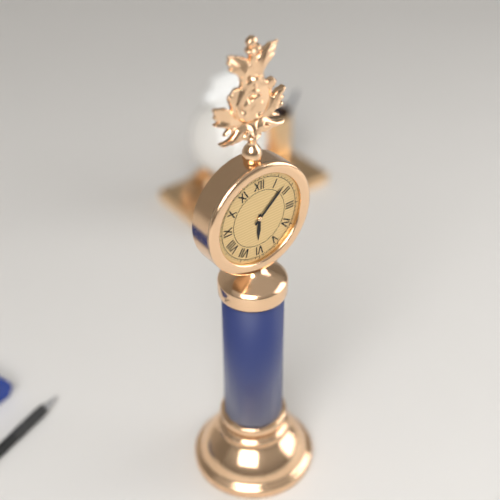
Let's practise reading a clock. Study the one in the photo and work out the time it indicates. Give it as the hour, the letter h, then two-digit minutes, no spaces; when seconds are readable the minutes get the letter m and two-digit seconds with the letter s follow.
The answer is 6h08
